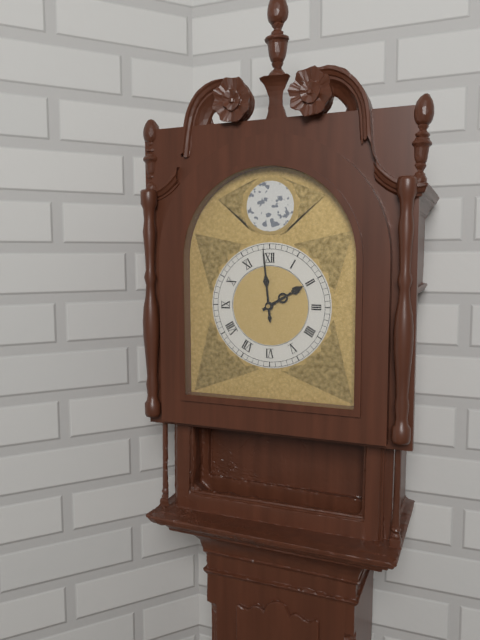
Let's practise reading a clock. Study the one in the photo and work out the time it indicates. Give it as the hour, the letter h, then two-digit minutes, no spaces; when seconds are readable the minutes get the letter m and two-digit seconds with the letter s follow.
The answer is 1h59
